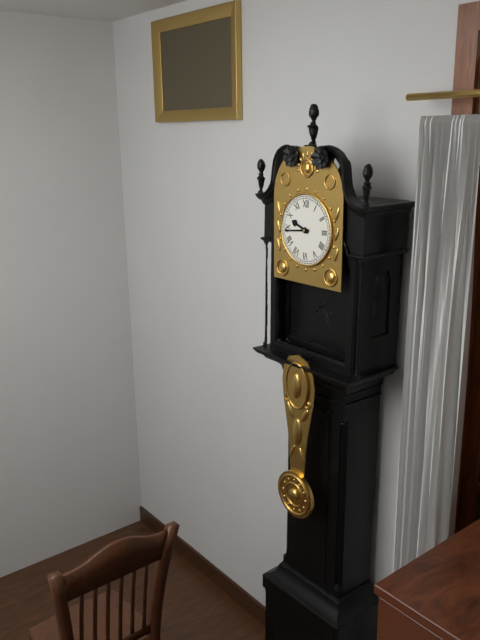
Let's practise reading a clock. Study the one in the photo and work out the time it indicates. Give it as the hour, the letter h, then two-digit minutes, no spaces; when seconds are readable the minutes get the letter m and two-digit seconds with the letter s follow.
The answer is 9h44
